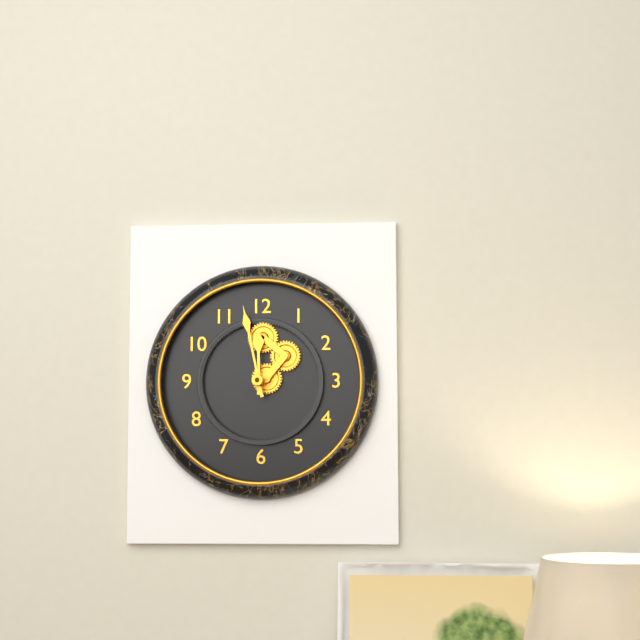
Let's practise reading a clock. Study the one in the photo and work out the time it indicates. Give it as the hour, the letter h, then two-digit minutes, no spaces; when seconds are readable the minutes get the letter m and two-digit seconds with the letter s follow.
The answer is 11h58
